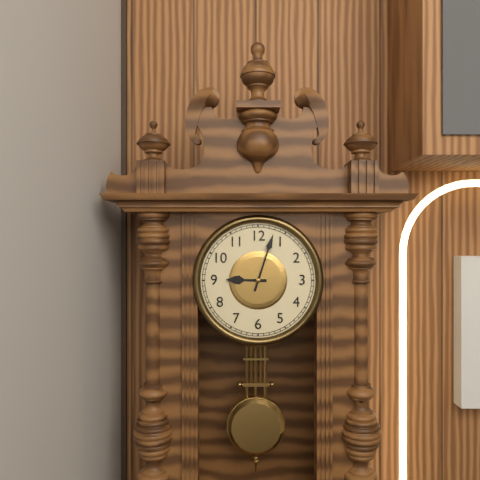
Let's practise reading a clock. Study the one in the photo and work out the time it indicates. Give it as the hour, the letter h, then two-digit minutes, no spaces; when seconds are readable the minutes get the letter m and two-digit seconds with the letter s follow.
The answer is 9h03
